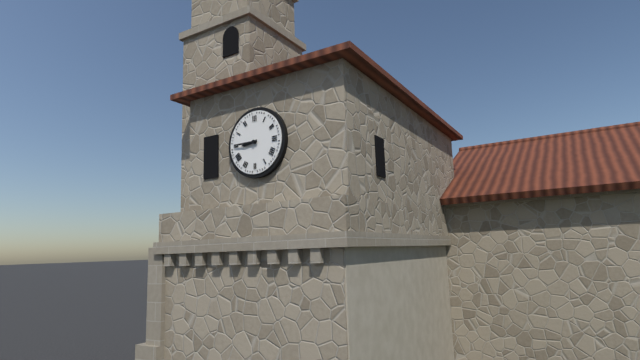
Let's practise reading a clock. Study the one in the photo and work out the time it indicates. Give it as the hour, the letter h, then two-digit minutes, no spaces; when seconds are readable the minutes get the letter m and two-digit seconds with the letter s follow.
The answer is 8h45
